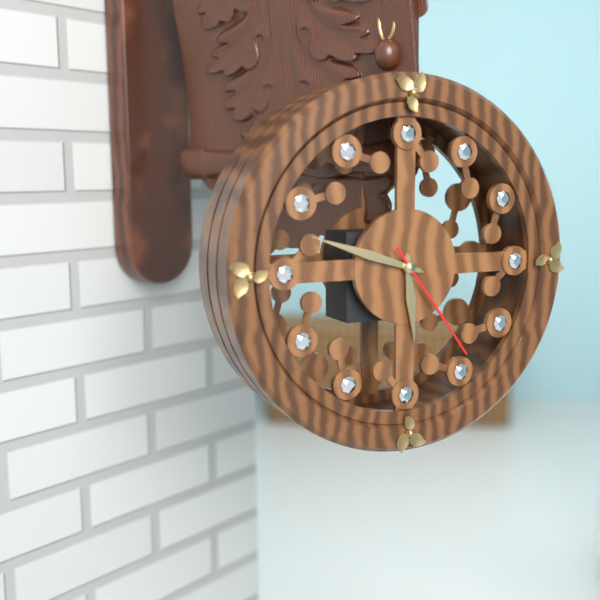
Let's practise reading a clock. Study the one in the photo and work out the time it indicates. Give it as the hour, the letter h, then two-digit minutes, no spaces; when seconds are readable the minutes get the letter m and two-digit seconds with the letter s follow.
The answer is 5h48m24s
